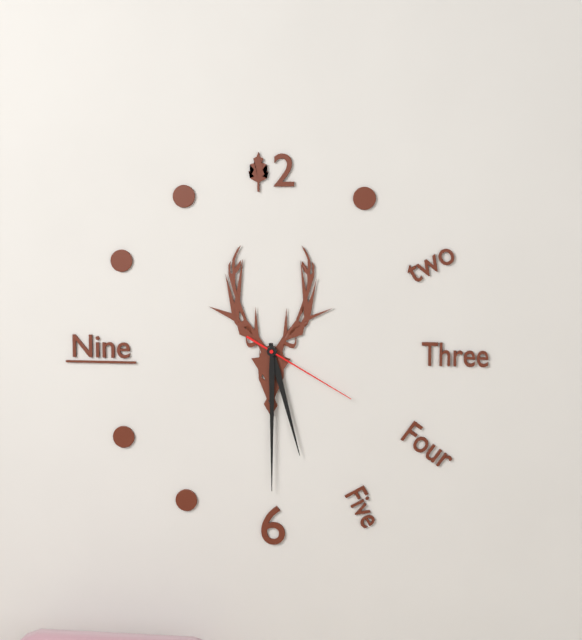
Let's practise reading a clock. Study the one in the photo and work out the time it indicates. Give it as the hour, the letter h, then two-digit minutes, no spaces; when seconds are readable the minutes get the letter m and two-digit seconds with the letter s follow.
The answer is 5h30m20s
